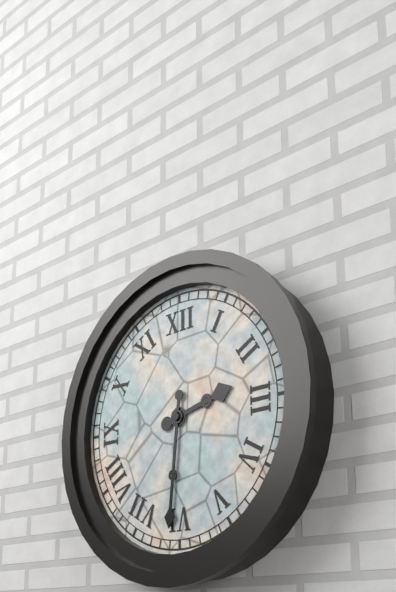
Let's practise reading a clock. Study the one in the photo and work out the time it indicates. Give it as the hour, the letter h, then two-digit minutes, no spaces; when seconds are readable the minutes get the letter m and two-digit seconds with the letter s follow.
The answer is 2h31
